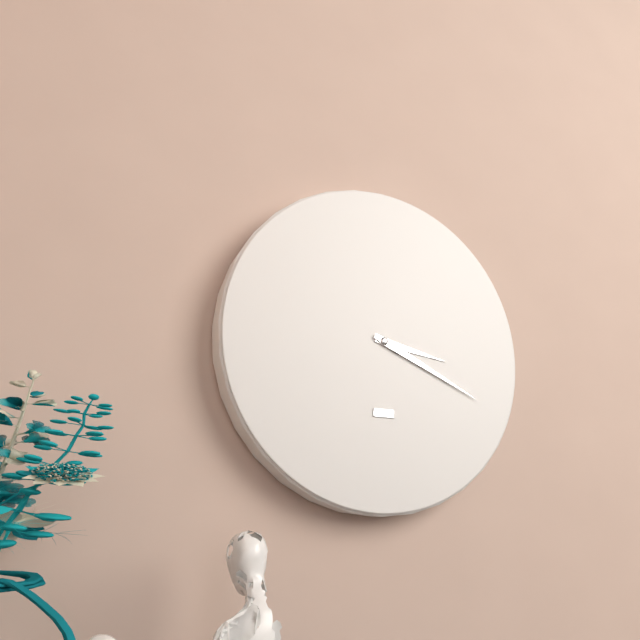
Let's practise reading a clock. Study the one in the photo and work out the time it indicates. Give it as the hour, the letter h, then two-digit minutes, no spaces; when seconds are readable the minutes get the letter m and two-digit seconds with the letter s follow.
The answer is 3h19
